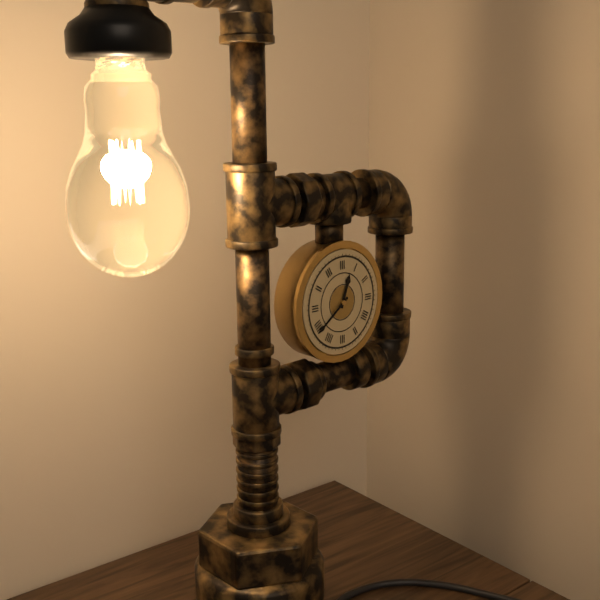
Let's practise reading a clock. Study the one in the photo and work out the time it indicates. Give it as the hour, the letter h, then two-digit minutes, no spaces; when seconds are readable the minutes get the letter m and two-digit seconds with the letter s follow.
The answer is 12h39
